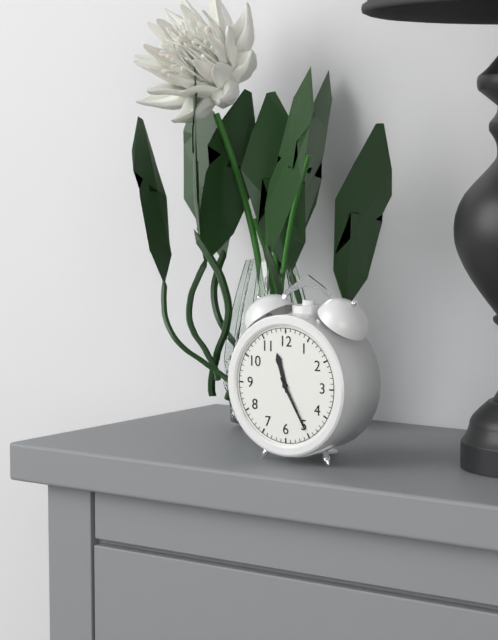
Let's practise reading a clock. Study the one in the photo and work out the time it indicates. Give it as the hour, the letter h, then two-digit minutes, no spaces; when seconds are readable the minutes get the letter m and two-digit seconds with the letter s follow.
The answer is 11h25
